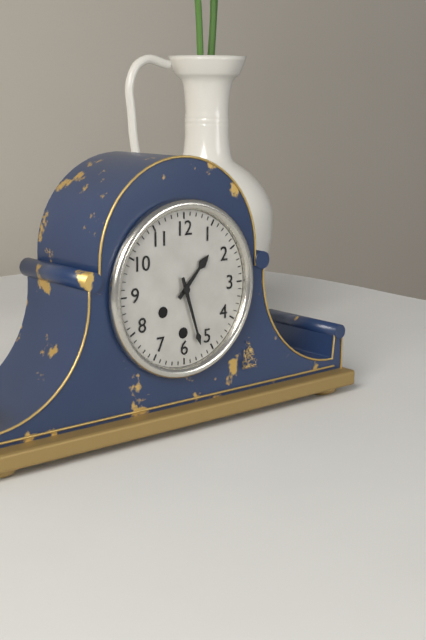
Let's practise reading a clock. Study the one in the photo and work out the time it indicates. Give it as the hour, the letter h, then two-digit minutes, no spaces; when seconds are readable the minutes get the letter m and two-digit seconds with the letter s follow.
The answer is 1h27
